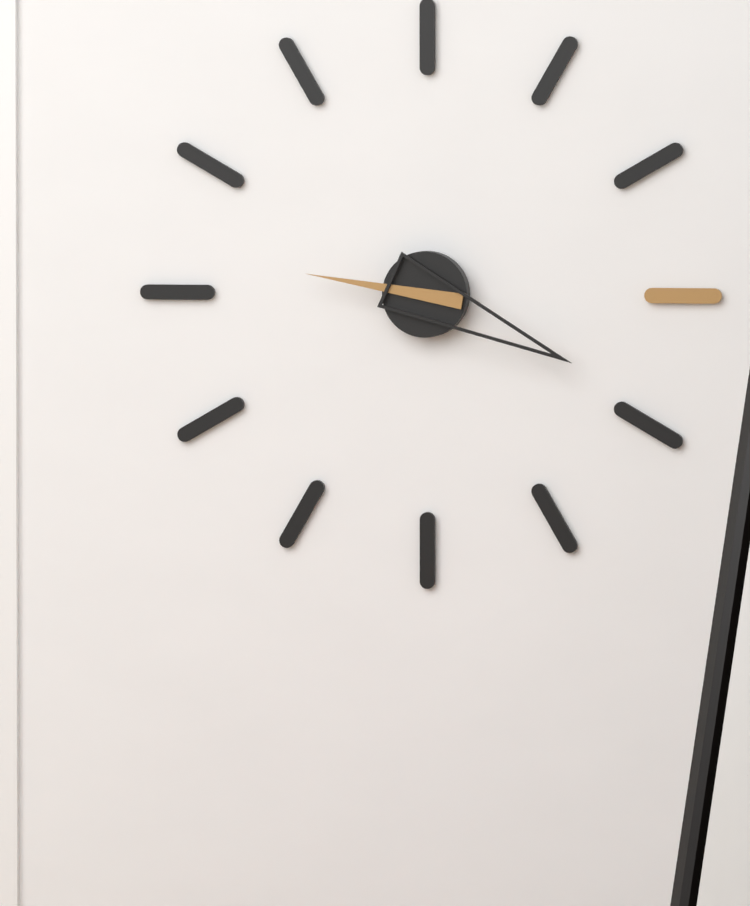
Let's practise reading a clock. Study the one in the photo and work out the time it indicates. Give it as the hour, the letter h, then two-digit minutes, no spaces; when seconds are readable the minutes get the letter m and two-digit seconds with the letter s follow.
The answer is 9h19
